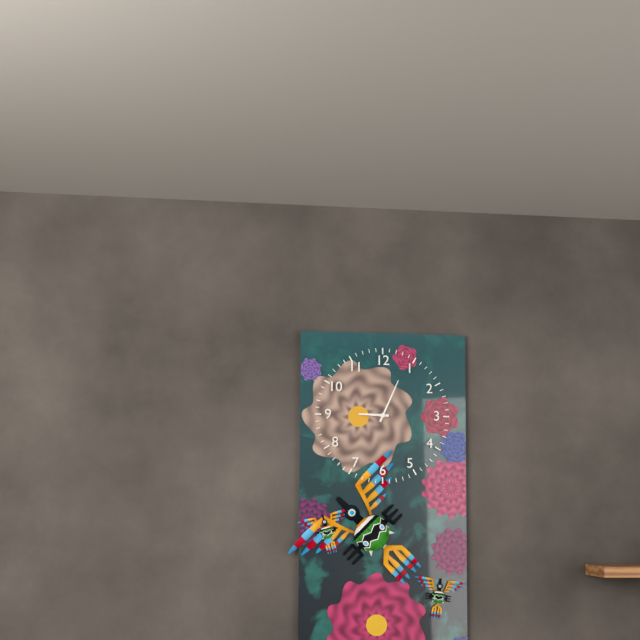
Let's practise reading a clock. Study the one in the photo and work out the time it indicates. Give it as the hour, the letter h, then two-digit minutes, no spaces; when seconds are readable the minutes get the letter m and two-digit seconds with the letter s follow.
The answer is 9h04
